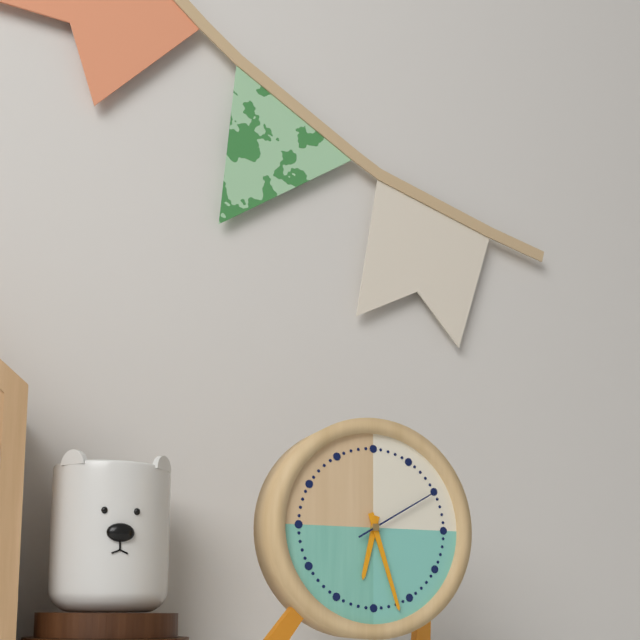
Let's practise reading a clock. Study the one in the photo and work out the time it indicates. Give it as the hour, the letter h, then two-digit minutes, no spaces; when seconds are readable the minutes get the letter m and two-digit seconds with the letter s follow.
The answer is 6h27m10s
